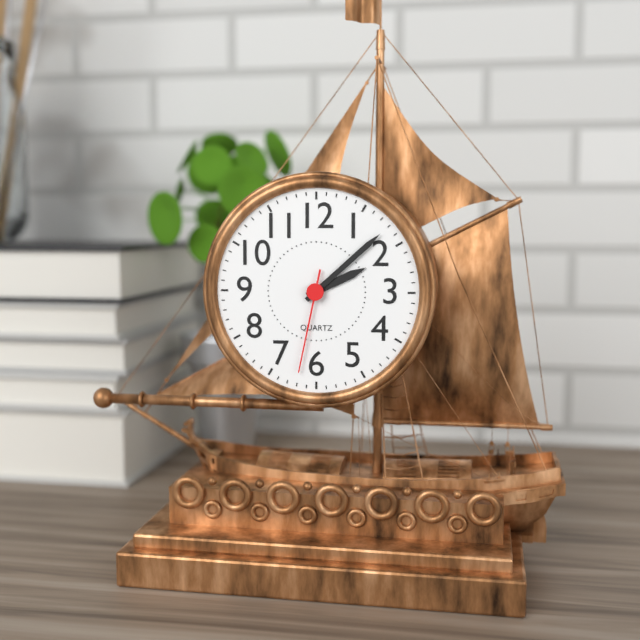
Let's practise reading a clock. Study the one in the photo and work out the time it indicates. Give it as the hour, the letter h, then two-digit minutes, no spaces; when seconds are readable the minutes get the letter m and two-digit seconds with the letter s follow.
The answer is 2h08m32s
